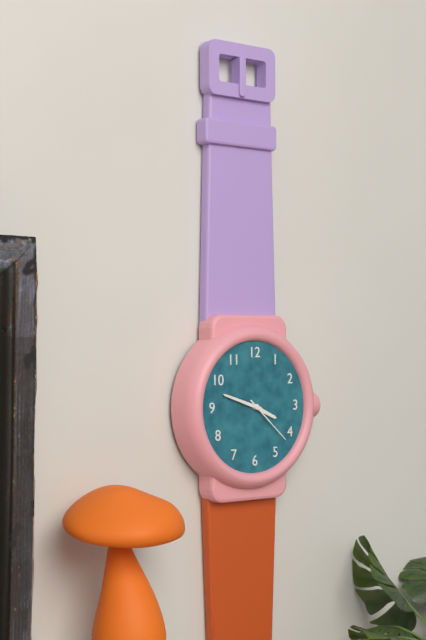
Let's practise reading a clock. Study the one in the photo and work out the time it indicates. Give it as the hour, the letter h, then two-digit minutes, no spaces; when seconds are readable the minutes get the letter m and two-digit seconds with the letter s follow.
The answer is 3h48m22s
